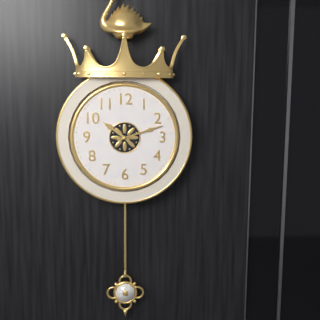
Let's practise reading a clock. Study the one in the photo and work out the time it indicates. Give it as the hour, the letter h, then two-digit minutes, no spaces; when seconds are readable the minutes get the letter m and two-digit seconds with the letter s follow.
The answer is 10h12
